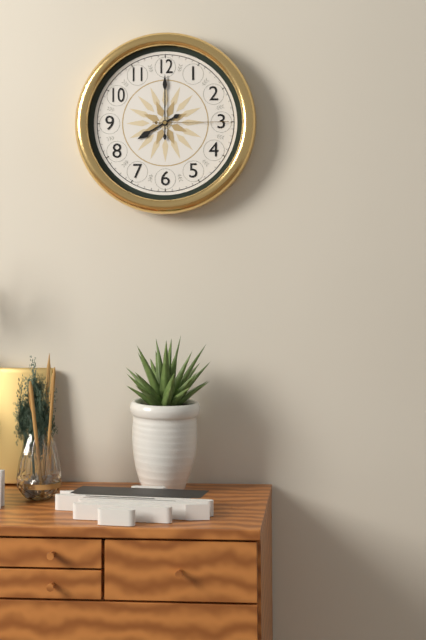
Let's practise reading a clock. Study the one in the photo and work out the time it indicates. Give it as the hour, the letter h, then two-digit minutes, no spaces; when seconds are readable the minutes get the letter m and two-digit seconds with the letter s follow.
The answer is 8h00m15s
